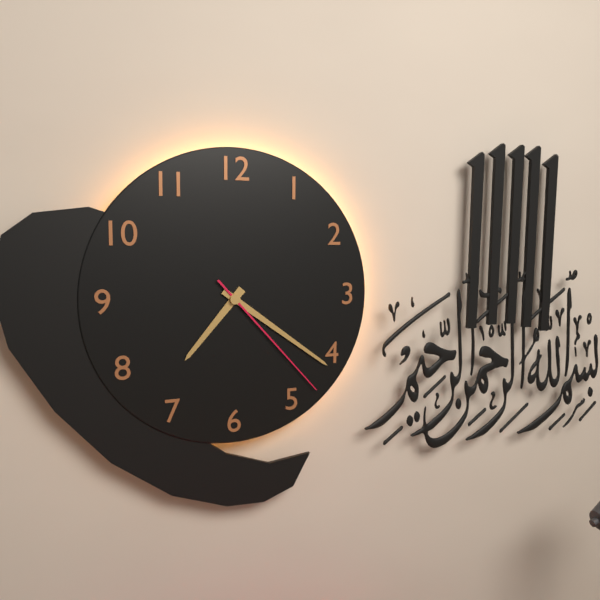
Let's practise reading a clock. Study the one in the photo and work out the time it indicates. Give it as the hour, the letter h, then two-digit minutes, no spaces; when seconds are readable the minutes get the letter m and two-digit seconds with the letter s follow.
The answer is 7h21m23s
